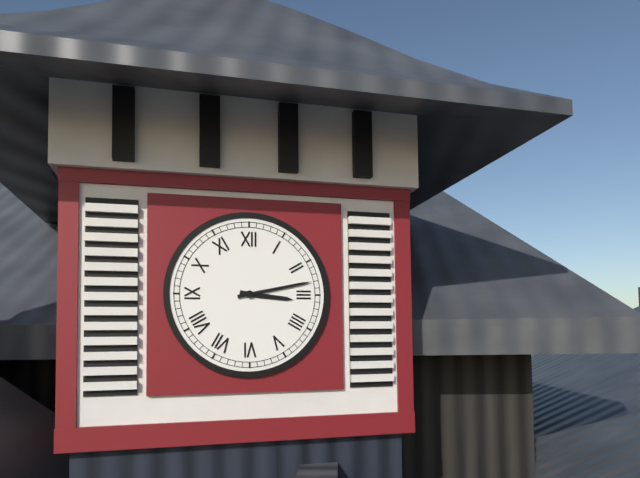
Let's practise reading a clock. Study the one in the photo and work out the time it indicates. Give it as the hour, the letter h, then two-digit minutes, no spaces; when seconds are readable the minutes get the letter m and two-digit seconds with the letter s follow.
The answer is 3h13
